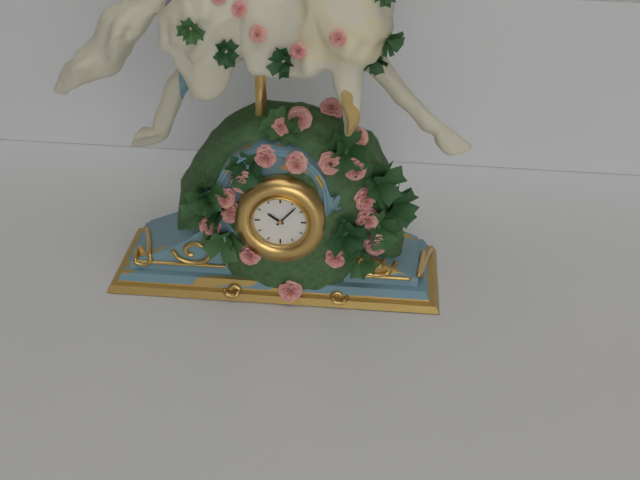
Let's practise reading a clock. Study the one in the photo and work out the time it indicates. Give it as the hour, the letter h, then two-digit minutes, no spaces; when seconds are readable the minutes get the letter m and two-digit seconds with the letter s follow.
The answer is 10h07
